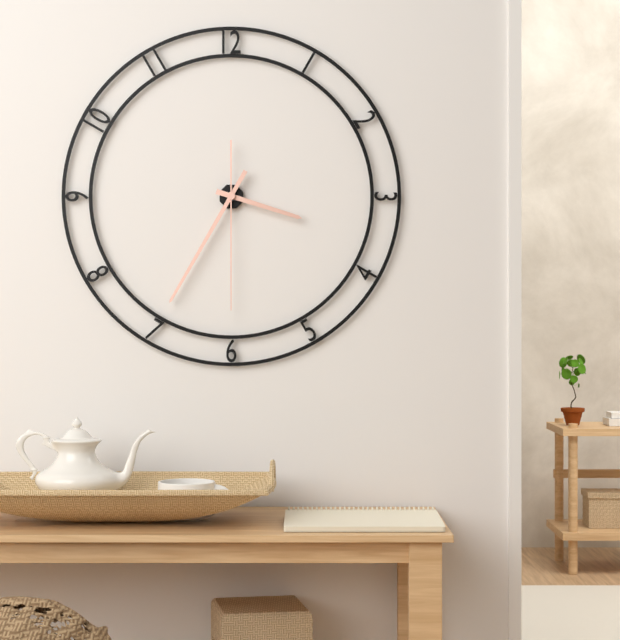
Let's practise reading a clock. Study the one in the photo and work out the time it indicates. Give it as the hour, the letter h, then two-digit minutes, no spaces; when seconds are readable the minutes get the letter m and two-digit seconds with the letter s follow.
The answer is 3h35m30s
